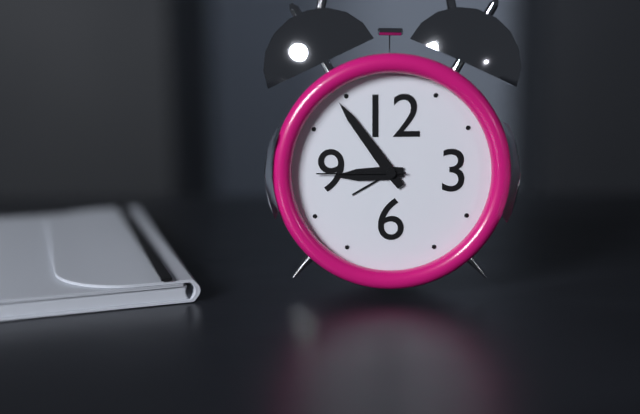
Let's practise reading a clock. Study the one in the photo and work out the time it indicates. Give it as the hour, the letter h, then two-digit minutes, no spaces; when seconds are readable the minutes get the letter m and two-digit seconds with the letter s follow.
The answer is 8h54m45s
